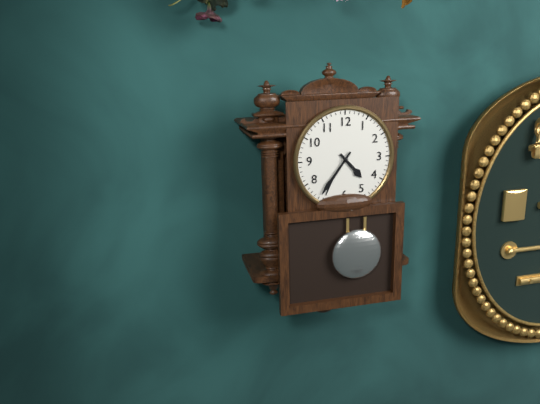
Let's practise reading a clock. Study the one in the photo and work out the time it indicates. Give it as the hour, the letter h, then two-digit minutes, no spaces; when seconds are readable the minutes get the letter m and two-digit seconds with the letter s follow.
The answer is 4h36
